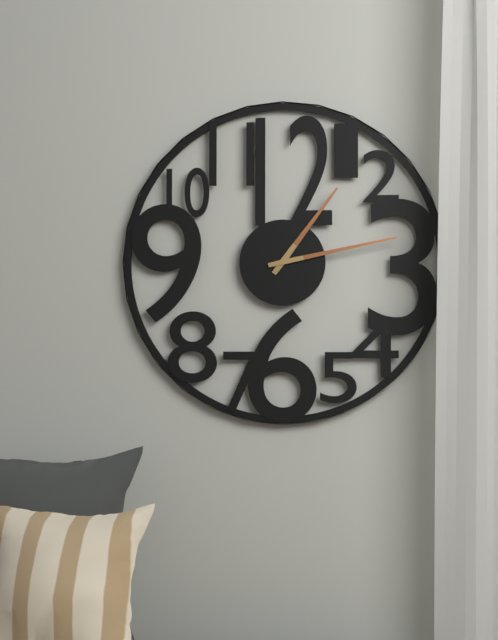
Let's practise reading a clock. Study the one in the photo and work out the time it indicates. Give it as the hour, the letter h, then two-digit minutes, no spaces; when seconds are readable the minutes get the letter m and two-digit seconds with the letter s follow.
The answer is 1h13
